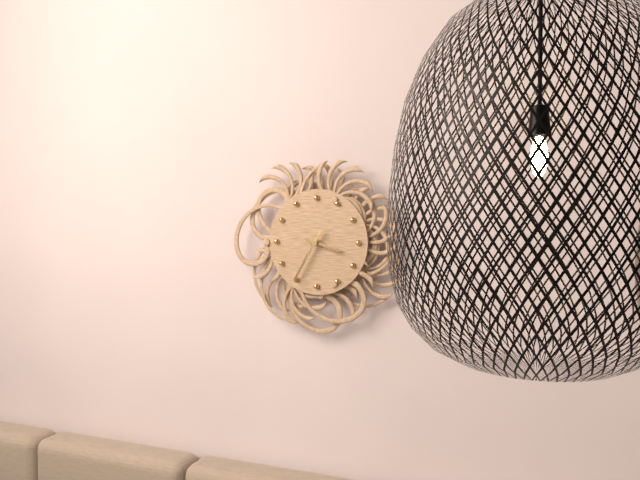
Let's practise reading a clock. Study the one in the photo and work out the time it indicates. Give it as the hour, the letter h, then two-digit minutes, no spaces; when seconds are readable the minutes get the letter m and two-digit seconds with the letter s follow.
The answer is 3h35
